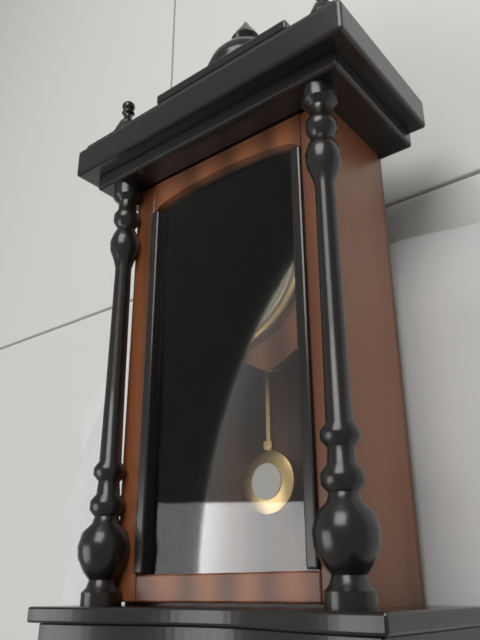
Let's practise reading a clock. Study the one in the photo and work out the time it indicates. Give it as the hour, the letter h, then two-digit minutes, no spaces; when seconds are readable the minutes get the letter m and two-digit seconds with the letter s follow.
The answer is 9h43
